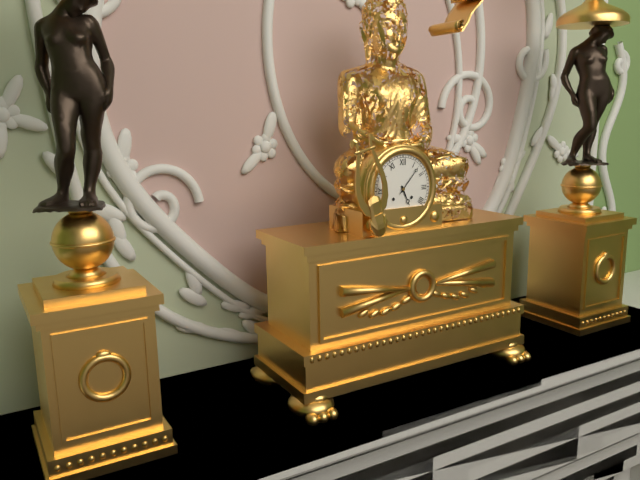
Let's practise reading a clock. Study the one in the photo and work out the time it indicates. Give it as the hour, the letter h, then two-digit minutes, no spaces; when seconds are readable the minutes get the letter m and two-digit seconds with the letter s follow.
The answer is 5h07
